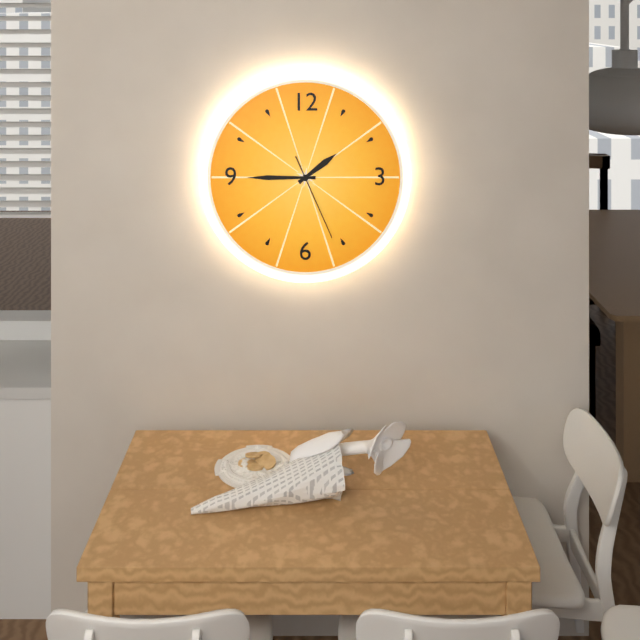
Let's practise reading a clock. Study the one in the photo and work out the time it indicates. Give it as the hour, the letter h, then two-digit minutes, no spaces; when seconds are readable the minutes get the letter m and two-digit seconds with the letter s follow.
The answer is 1h45m26s
